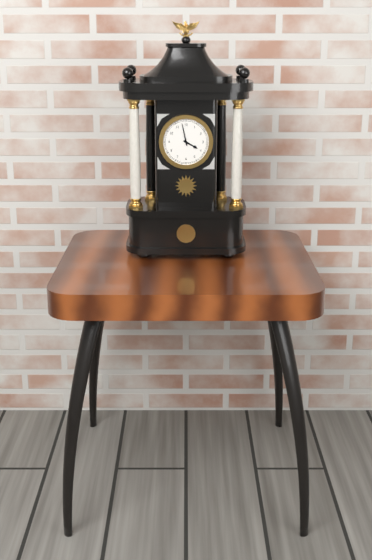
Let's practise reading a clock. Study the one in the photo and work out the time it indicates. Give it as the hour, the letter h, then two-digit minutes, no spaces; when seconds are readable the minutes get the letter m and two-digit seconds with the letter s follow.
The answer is 3h58
